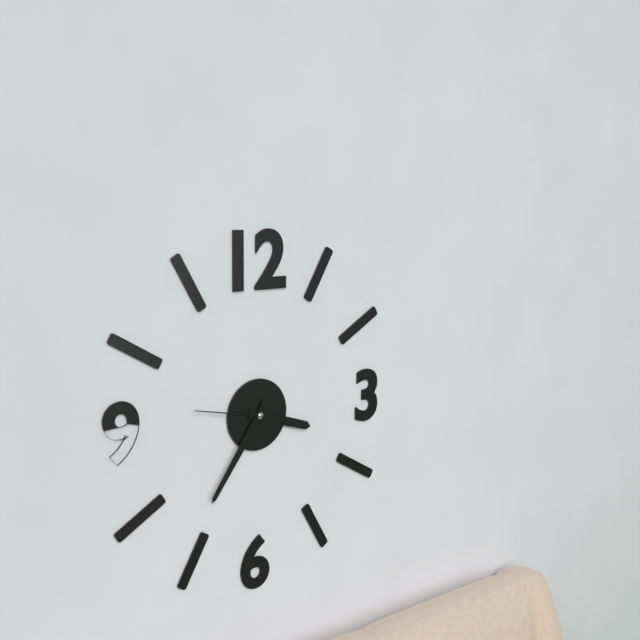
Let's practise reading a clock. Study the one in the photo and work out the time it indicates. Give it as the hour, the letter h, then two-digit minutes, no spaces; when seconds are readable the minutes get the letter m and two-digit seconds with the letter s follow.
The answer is 3h36m47s
